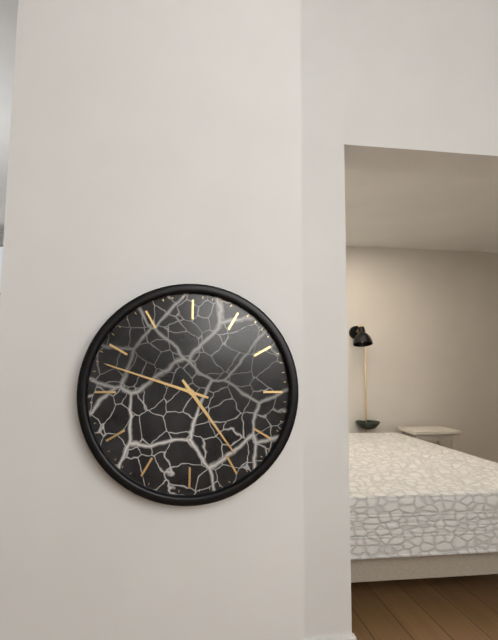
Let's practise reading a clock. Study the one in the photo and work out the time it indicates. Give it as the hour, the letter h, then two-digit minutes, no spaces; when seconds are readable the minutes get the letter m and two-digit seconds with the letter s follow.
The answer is 4h48
